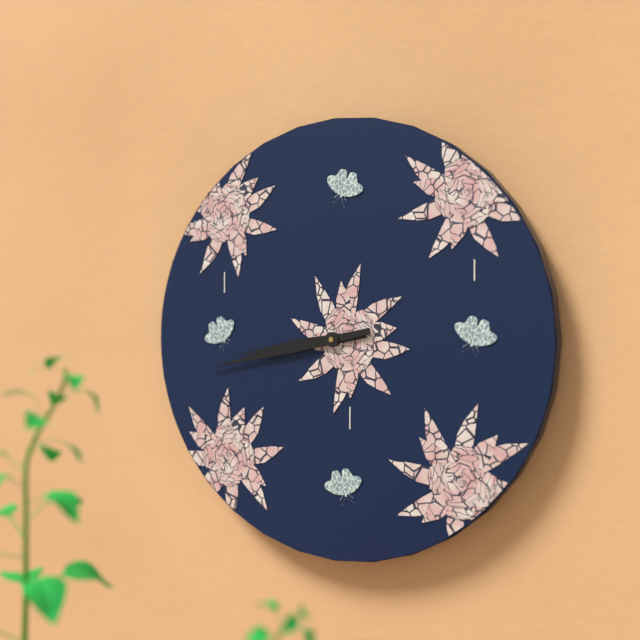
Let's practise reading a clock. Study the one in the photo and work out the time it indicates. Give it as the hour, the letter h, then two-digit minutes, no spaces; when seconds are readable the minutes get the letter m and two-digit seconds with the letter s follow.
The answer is 8h43
